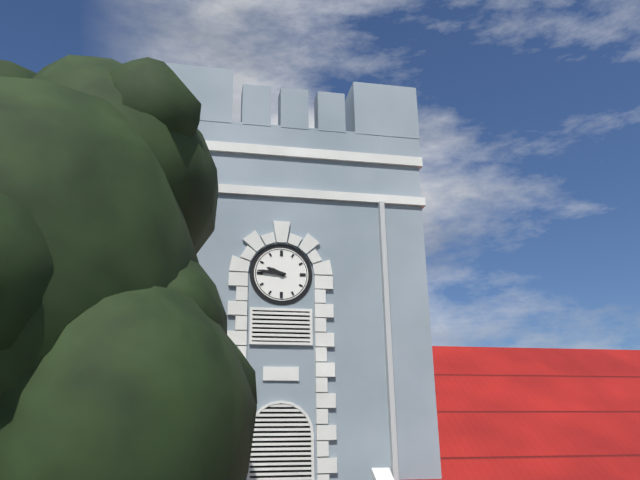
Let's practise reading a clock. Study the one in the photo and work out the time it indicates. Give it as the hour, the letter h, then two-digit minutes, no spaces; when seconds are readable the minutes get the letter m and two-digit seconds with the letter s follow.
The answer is 9h46
